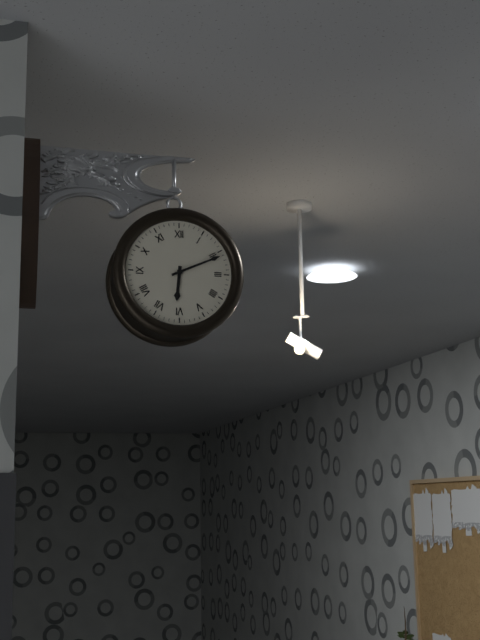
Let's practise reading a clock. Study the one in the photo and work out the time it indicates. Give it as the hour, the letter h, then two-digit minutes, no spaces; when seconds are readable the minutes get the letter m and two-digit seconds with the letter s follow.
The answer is 6h11
